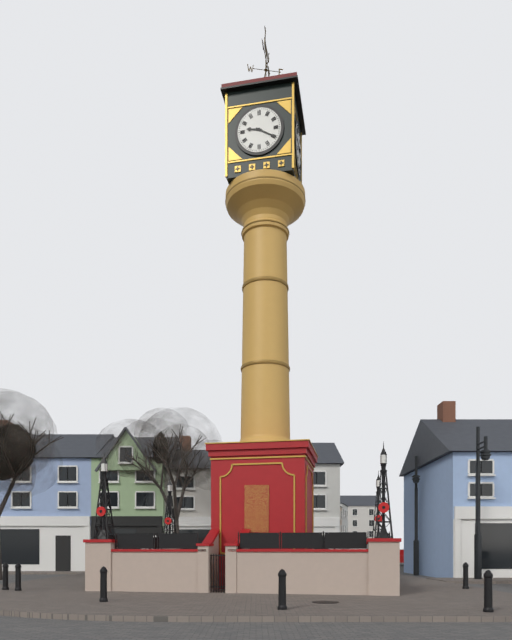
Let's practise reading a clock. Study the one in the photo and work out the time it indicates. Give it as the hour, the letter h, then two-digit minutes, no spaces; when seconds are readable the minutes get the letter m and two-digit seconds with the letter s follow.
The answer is 9h20
